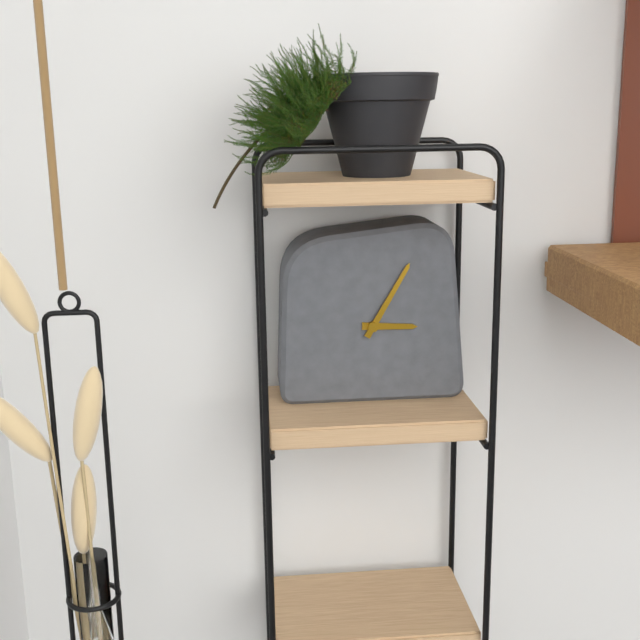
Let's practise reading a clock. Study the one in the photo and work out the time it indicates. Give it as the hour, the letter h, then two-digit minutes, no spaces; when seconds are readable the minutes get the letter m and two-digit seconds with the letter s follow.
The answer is 3h05
